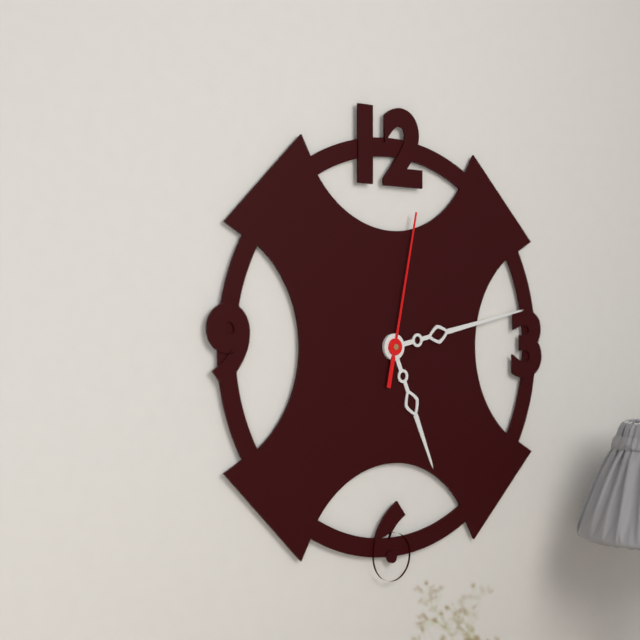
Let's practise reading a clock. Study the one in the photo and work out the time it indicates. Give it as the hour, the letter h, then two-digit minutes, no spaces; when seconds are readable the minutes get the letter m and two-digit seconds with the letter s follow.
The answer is 5h13m02s
